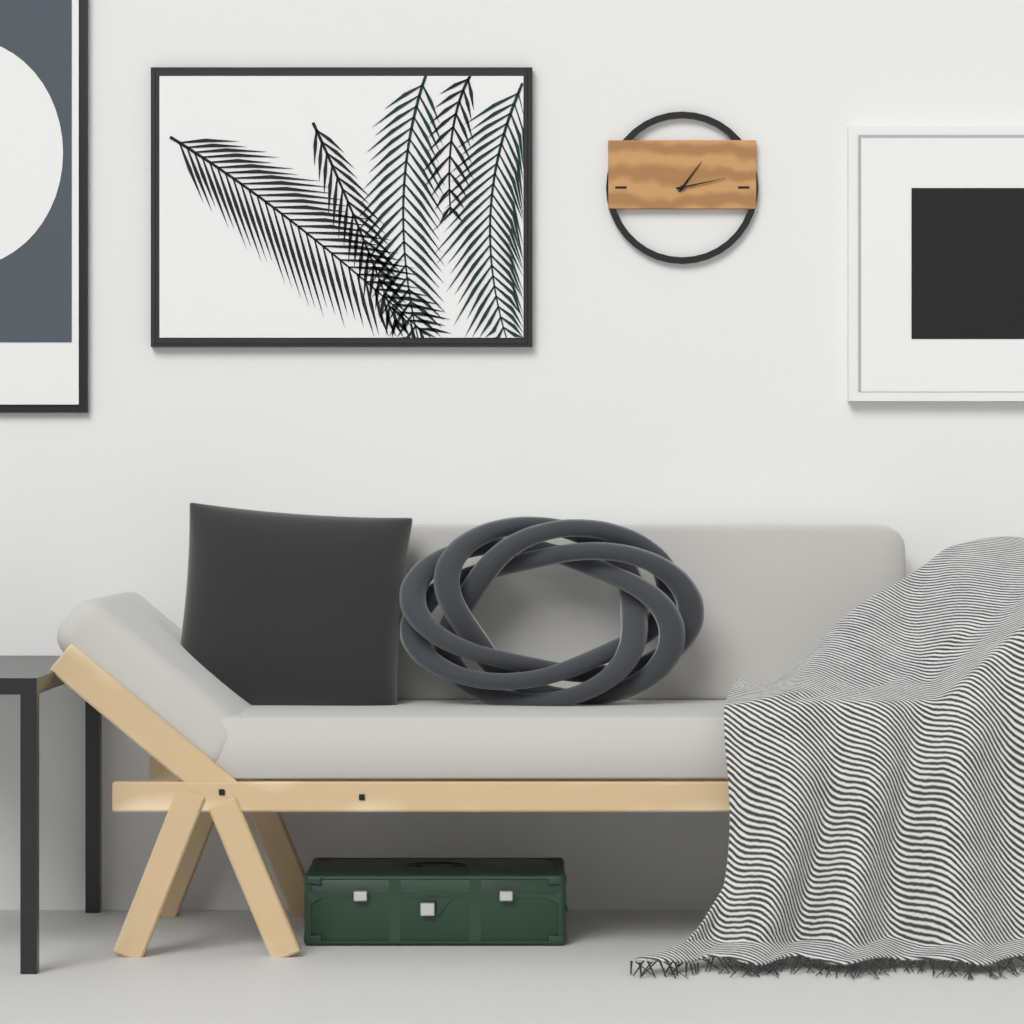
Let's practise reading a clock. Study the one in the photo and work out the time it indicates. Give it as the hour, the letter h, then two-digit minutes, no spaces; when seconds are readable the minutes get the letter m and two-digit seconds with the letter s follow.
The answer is 1h13
